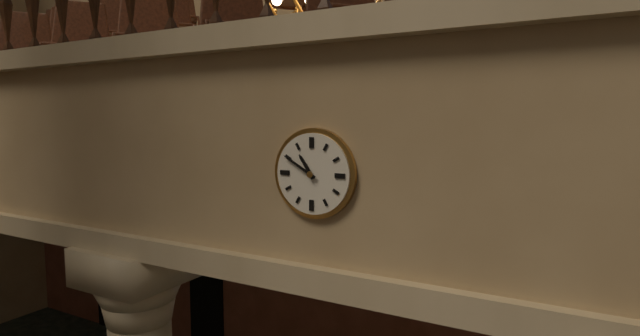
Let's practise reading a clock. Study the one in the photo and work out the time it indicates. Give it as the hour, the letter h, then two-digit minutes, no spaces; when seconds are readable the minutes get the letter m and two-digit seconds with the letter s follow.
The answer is 10h50
